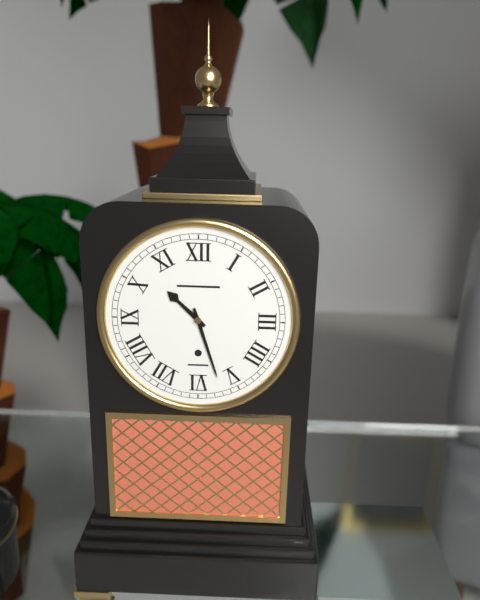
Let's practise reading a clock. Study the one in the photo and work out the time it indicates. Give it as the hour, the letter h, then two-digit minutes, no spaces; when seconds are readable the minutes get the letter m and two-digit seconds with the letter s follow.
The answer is 10h27
